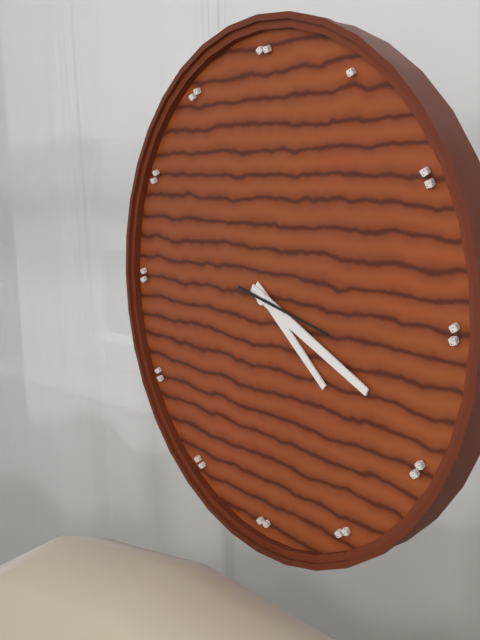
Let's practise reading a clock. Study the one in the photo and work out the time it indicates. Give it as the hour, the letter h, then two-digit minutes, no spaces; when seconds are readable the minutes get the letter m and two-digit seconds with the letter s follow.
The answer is 4h19m17s
